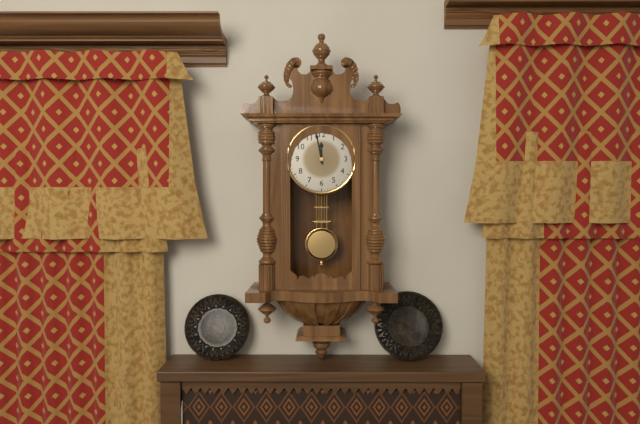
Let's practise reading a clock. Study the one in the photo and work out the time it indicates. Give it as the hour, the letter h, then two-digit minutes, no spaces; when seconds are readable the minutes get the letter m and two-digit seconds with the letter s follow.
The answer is 11h58
